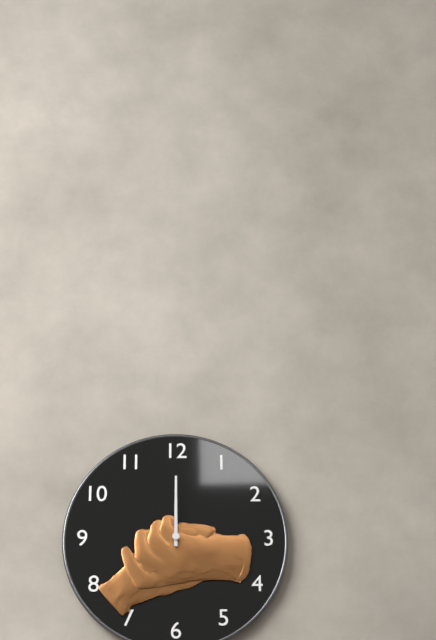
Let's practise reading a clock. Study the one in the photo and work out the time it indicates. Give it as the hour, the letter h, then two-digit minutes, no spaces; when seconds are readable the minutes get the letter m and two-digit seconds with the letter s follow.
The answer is 12h00
